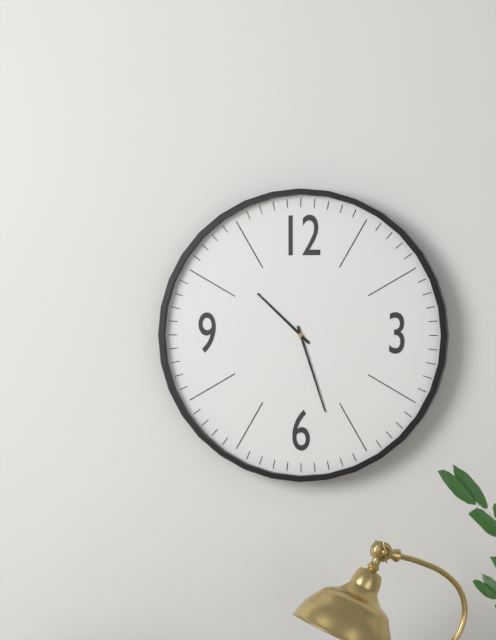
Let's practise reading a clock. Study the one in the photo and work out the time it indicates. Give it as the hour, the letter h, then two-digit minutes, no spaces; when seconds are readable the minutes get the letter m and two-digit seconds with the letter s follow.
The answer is 10h27
